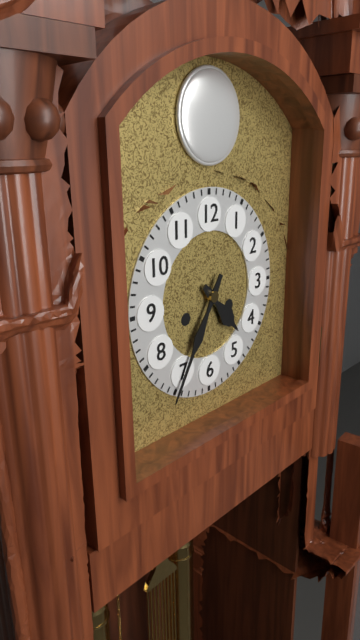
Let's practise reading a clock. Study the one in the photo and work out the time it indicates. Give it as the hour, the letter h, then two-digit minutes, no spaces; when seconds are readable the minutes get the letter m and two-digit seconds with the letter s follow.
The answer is 4h35
